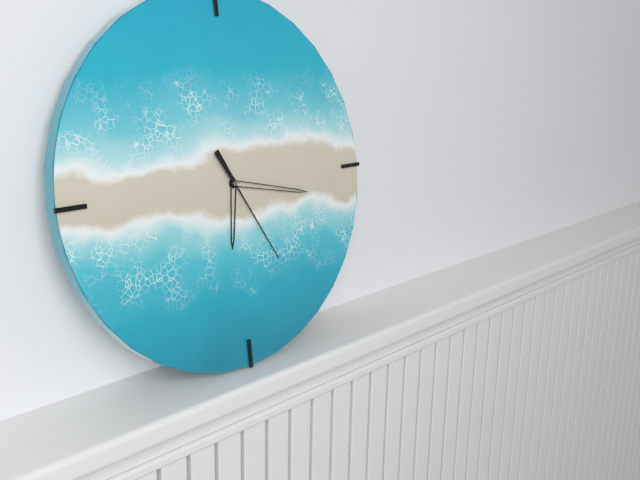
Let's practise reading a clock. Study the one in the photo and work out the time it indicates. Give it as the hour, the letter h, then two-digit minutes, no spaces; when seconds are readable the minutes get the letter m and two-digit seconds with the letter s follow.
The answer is 6h17m25s
